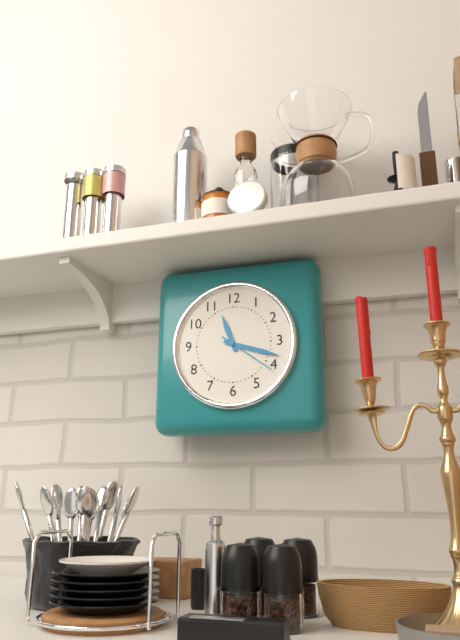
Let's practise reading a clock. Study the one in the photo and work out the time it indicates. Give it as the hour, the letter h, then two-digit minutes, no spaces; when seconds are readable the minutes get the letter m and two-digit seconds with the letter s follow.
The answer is 11h18
